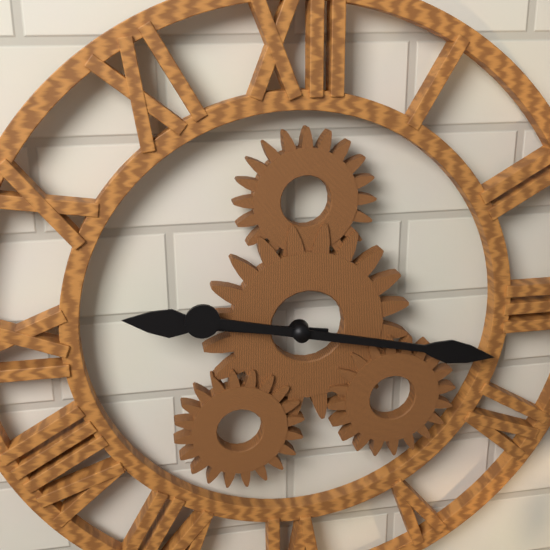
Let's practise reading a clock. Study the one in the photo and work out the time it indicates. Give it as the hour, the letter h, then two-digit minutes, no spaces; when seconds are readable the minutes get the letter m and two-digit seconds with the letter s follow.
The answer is 9h17
